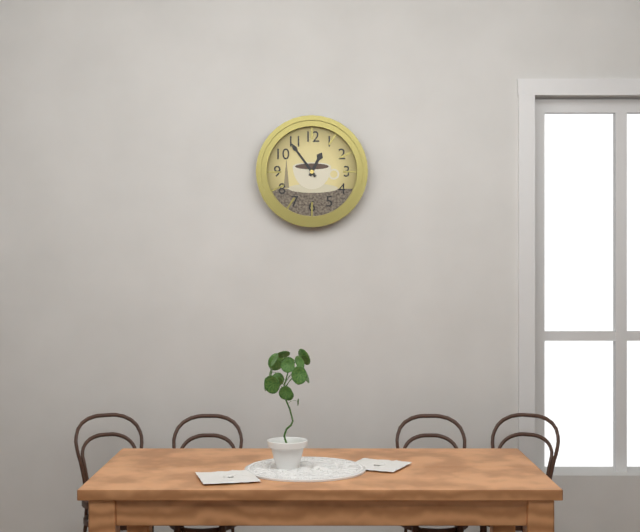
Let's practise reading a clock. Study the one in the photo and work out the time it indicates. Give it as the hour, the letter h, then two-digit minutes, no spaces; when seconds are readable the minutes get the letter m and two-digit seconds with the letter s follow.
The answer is 12h54
